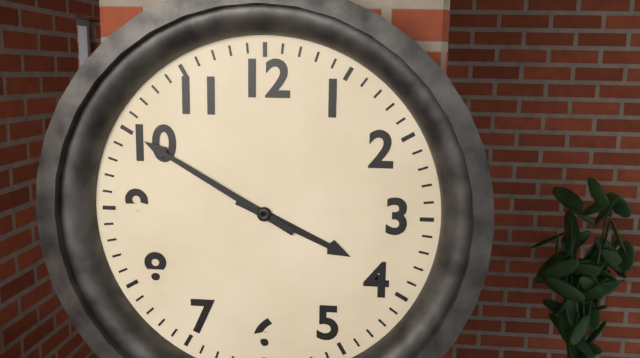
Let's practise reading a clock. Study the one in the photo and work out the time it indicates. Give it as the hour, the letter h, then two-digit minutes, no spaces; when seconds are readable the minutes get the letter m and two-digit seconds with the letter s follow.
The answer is 3h50
